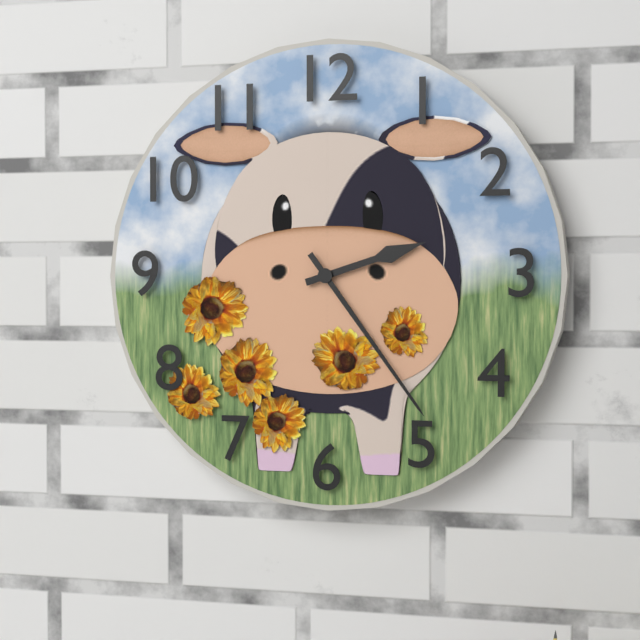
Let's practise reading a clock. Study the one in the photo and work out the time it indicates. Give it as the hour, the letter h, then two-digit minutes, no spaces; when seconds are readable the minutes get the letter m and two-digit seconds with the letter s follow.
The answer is 2h24
